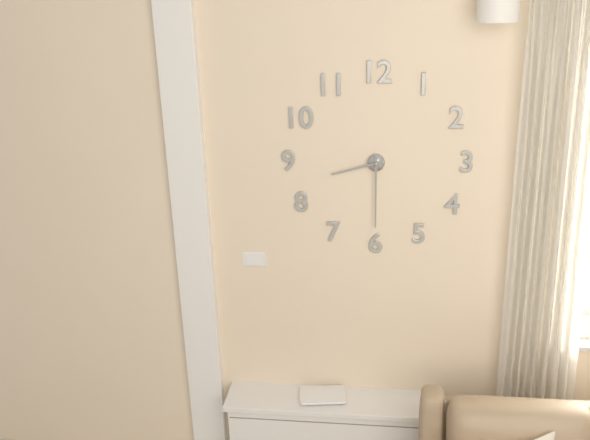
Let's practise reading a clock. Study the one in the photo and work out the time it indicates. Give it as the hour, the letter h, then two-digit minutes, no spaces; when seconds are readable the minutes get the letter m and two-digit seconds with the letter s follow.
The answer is 8h30
